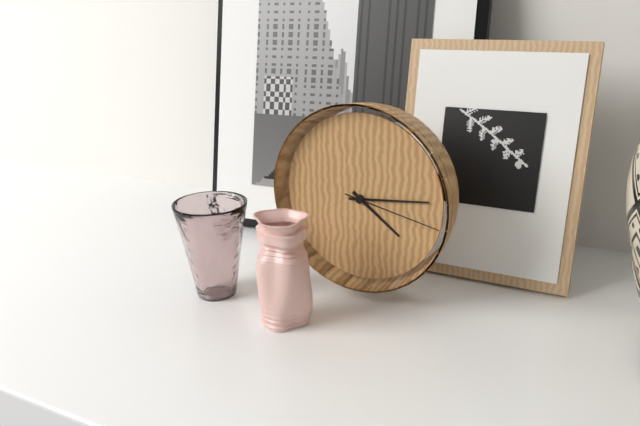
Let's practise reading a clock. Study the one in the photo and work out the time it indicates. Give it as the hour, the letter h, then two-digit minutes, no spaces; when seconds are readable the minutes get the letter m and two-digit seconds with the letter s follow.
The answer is 4h14m17s
